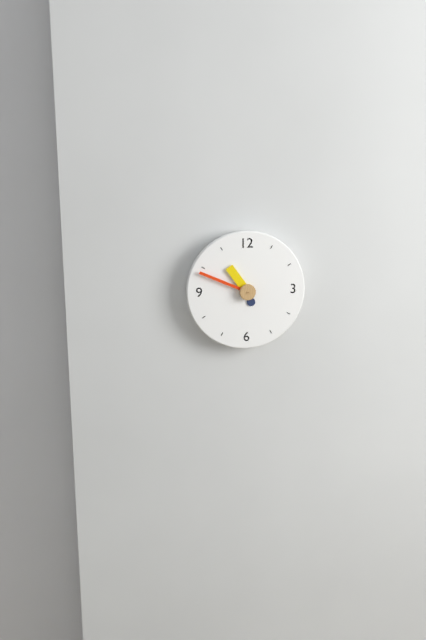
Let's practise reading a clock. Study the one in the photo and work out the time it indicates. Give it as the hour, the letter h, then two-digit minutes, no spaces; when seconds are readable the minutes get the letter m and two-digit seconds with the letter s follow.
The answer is 10h49
